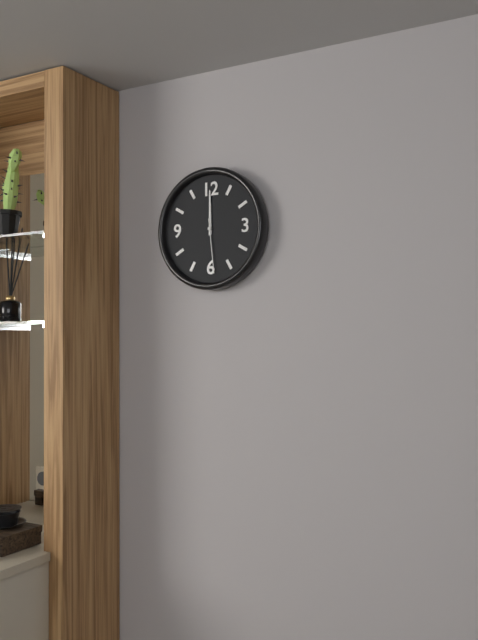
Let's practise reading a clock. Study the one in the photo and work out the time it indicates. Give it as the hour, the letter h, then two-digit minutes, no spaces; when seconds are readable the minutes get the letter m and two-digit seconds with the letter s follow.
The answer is 12h00m29s
